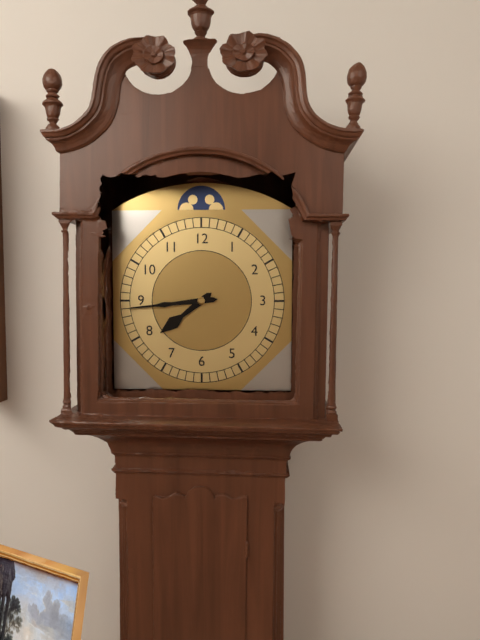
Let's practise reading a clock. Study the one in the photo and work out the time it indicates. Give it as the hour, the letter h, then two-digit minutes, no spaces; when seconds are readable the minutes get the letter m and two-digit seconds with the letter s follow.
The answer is 7h44
